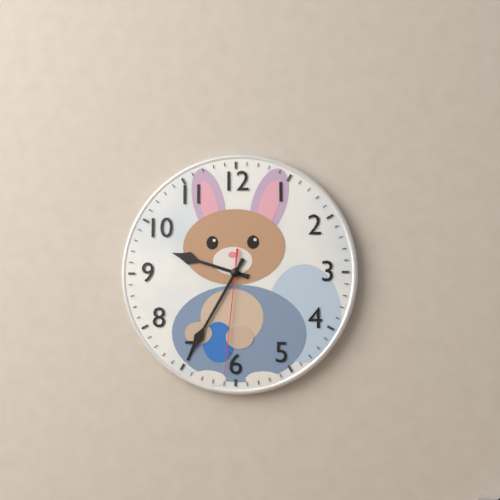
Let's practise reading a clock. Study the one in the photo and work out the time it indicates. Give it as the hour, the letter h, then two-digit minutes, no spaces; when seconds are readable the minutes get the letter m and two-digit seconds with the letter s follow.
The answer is 9h35m31s
